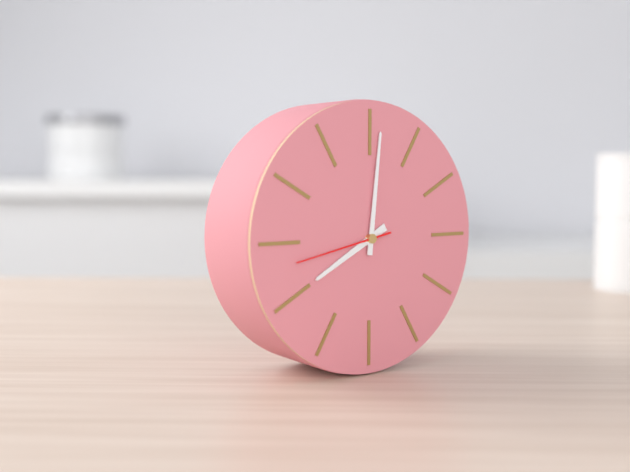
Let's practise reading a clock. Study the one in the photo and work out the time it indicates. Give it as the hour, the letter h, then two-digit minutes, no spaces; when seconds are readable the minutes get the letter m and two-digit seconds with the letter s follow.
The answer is 8h01m43s
